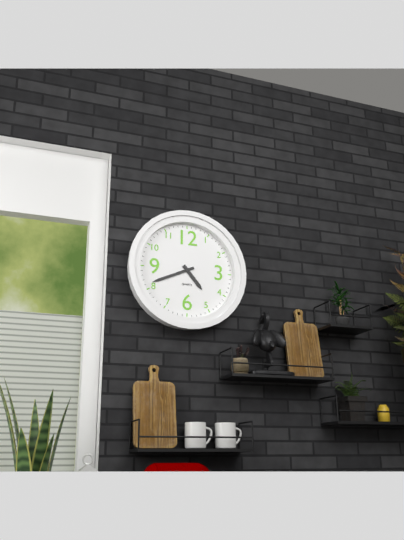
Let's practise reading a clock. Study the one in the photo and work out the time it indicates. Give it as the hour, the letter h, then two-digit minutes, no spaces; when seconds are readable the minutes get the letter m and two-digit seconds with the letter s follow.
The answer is 4h41
